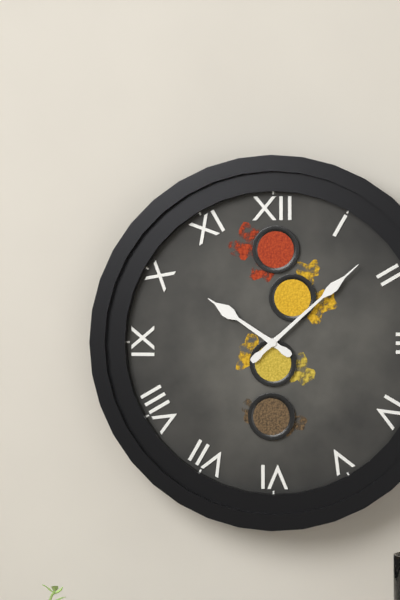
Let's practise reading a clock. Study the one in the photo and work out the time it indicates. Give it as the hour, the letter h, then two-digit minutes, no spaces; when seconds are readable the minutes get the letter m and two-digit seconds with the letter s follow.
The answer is 10h08
